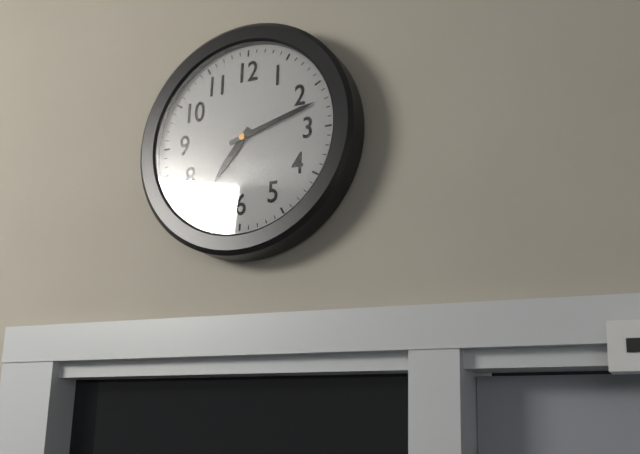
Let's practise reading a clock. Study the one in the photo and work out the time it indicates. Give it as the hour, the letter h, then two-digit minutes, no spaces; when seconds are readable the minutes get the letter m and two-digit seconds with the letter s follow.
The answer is 7h12
